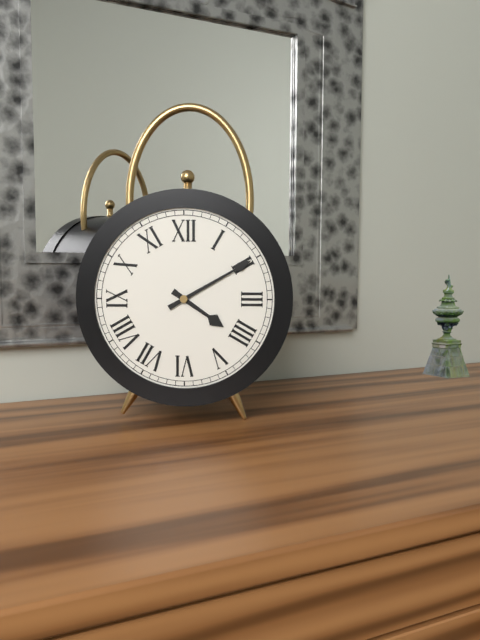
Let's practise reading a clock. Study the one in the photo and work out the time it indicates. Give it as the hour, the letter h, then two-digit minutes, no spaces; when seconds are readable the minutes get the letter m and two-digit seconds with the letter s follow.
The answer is 4h10
